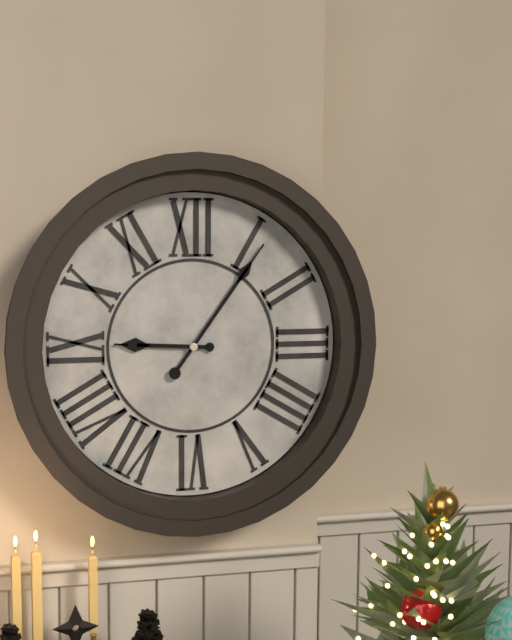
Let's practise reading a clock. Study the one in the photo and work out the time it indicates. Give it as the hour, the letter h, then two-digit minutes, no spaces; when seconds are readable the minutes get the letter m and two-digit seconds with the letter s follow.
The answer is 9h06
